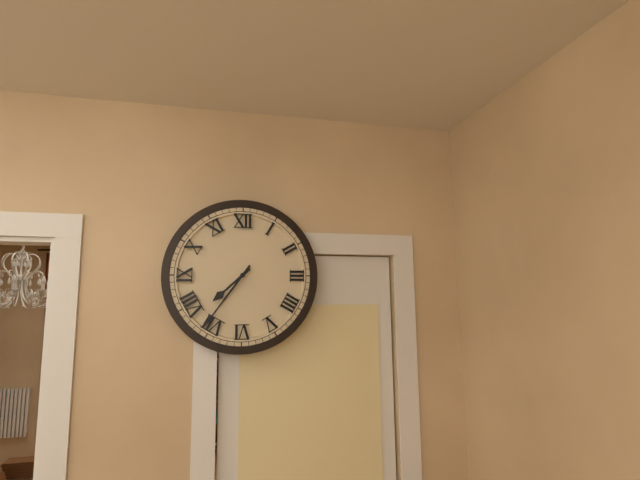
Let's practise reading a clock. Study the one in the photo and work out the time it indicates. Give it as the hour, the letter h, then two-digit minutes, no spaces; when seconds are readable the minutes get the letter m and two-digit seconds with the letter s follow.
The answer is 7h36
